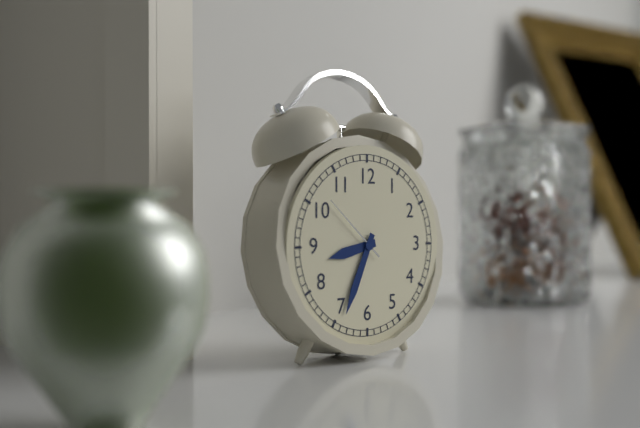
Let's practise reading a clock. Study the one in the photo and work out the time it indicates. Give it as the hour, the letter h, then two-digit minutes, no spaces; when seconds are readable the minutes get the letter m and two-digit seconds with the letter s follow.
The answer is 8h34m52s
